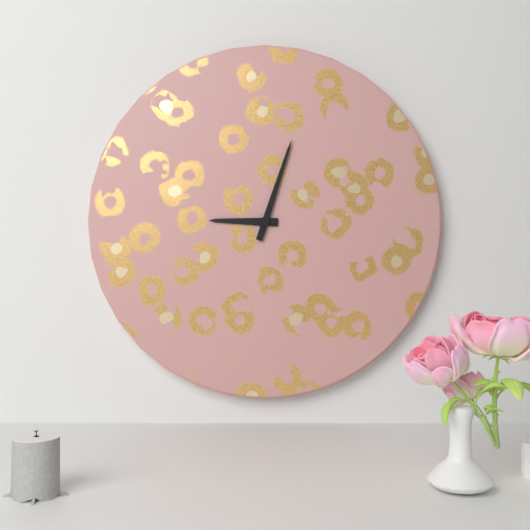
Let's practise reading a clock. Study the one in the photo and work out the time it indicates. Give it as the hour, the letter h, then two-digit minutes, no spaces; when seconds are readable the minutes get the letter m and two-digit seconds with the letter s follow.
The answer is 9h03
